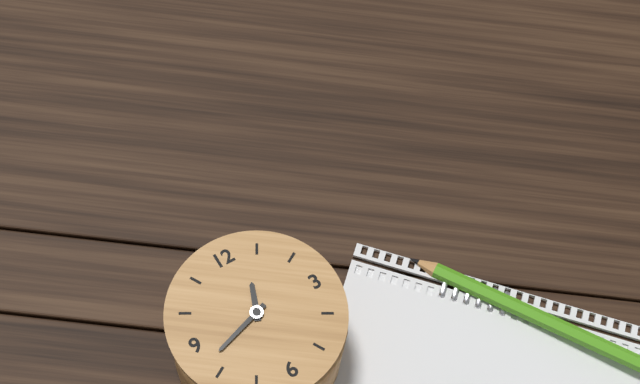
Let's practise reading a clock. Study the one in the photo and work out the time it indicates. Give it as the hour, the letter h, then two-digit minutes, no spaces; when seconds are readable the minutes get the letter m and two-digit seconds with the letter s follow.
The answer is 12h42
